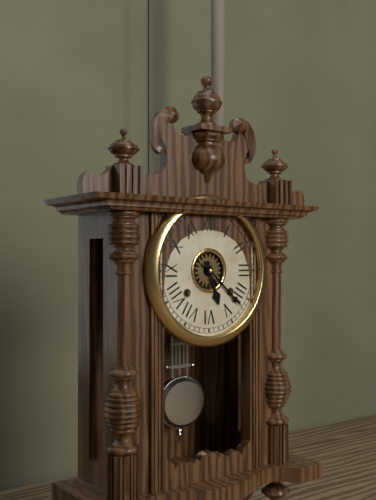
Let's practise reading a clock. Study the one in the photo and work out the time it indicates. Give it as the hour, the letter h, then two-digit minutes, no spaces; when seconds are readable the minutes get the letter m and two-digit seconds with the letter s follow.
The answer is 5h22
